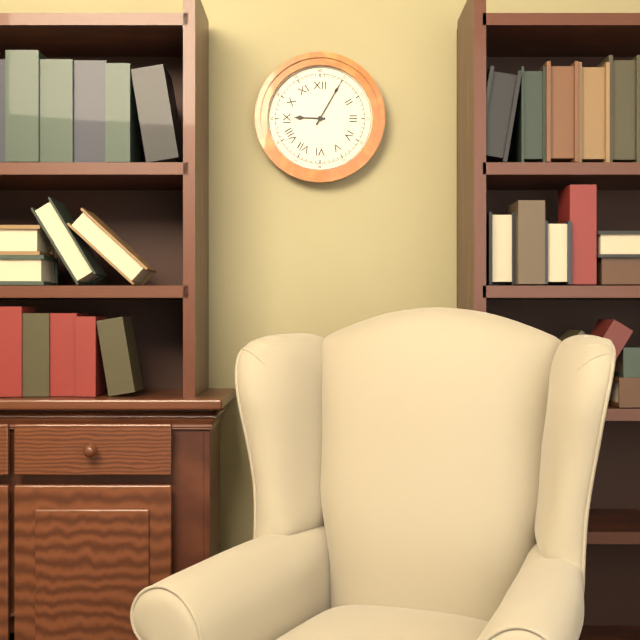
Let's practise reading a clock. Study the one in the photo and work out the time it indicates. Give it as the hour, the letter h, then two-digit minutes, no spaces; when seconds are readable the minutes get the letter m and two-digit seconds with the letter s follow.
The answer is 9h05
